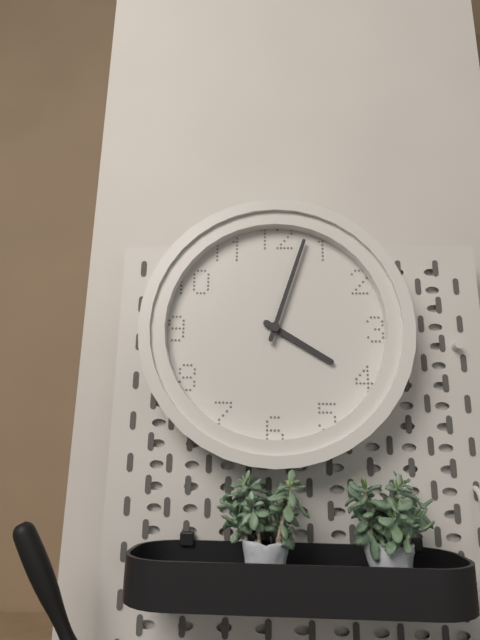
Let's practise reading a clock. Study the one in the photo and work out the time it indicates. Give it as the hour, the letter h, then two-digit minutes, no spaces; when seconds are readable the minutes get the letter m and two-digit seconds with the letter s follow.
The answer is 4h03
